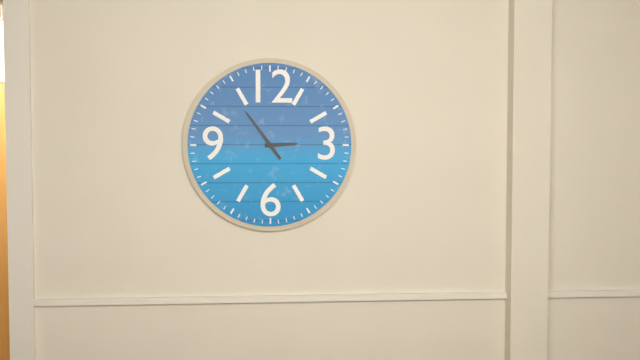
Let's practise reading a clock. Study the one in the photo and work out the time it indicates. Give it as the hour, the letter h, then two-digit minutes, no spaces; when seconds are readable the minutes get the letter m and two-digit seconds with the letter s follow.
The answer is 2h54
